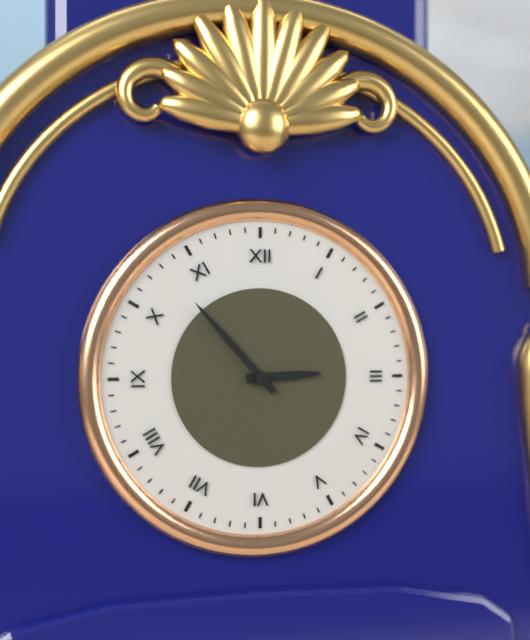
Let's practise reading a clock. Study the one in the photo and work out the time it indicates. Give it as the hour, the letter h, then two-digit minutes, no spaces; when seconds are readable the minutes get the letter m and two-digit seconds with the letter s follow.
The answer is 2h53
